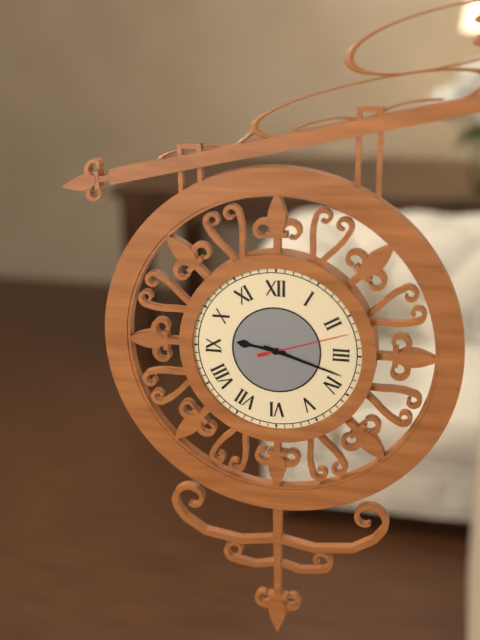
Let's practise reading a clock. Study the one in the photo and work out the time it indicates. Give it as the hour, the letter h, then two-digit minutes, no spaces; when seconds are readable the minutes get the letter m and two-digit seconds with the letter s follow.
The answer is 9h18m12s
